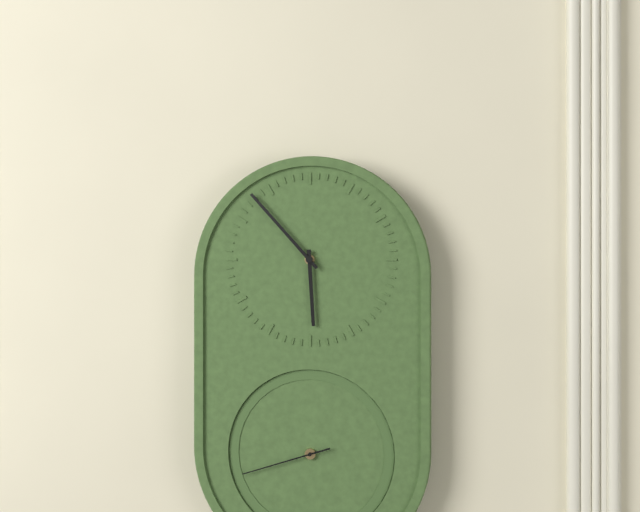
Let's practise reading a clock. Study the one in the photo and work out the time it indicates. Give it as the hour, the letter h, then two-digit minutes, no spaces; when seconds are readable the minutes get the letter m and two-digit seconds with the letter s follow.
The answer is 5h53m42s
